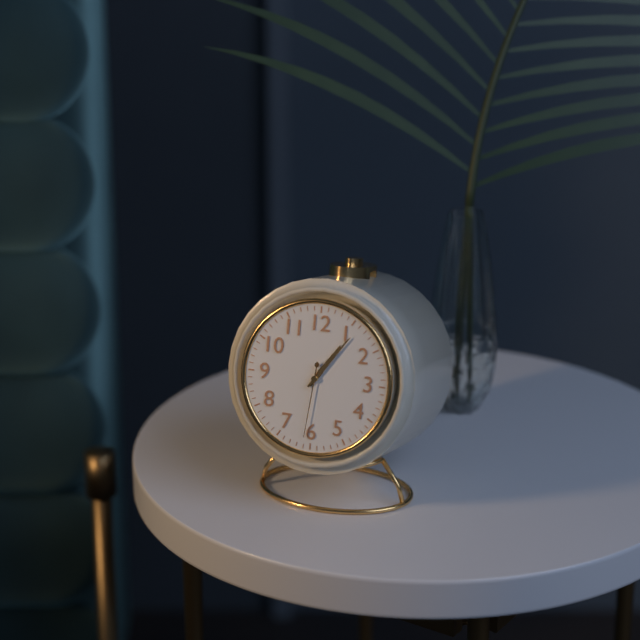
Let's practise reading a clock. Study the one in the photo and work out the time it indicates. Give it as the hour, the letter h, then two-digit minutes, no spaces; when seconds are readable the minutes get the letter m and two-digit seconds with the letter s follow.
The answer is 1h06m31s
